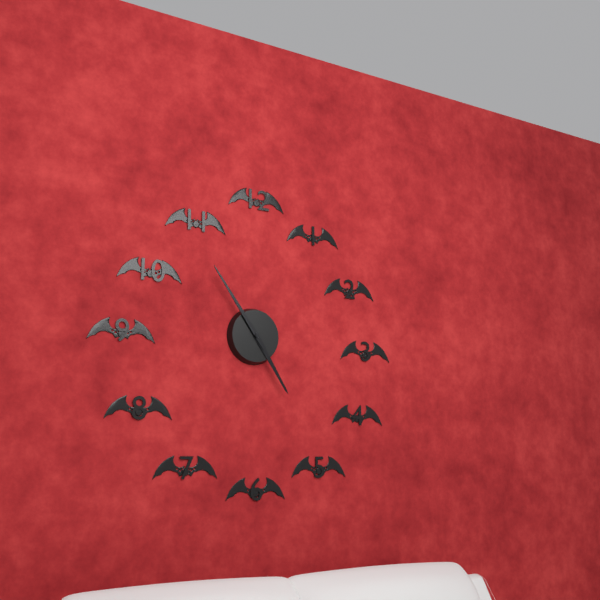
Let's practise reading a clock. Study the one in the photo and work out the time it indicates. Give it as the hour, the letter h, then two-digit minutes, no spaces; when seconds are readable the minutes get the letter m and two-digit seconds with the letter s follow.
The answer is 4h54
